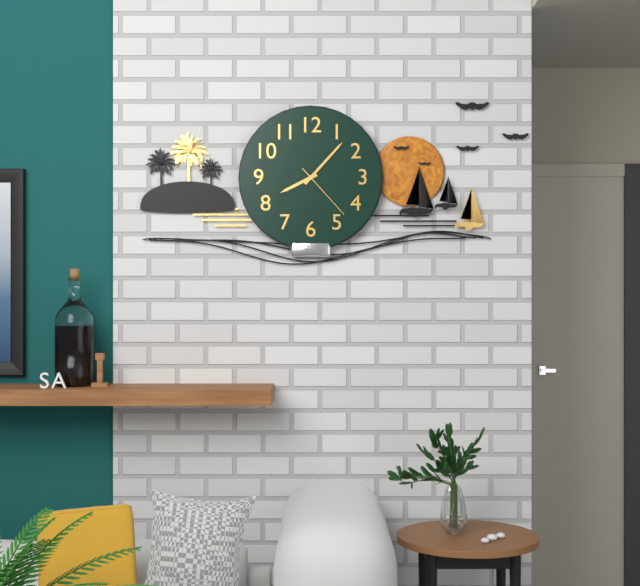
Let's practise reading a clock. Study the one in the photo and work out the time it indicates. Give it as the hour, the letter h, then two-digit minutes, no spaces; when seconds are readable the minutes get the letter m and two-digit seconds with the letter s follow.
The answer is 8h07m23s
